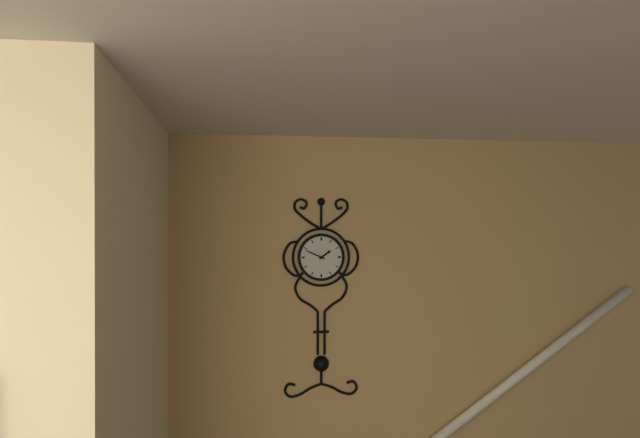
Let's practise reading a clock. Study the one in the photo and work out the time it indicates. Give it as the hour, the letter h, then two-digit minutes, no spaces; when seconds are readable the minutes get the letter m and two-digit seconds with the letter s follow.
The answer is 1h49
